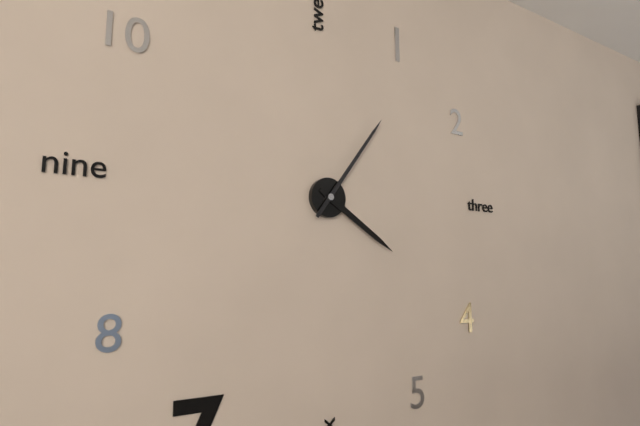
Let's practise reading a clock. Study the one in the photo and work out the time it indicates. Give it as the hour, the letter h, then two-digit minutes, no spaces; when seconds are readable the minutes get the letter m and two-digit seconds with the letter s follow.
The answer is 4h06
